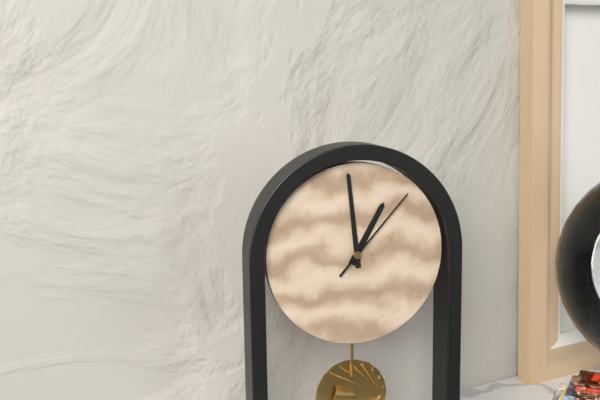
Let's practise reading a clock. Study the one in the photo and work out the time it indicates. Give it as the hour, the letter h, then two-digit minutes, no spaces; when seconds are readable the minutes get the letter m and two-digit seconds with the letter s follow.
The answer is 12h59m07s
